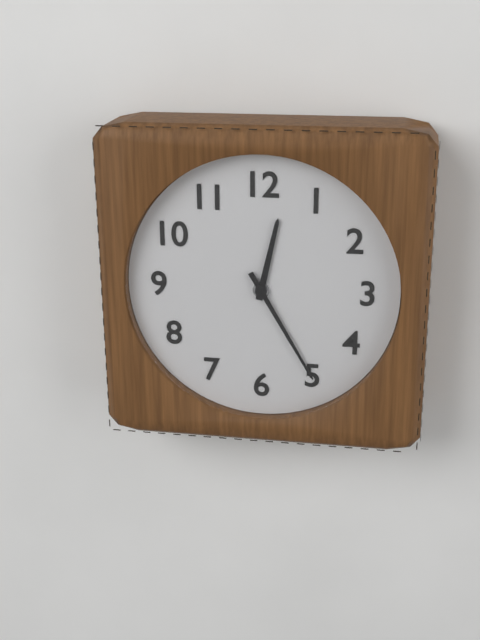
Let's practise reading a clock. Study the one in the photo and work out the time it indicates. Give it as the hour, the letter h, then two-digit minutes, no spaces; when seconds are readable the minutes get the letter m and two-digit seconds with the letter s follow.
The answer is 12h25
